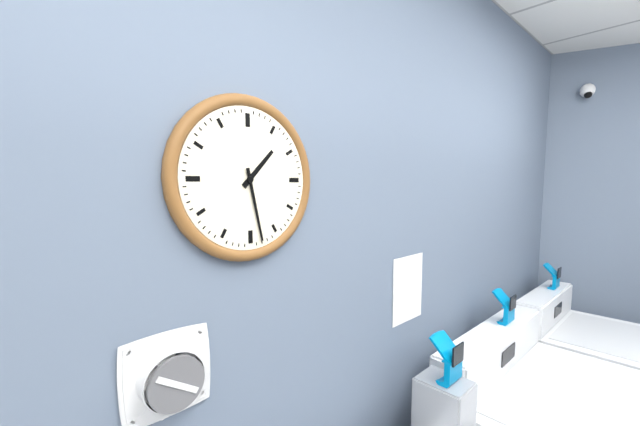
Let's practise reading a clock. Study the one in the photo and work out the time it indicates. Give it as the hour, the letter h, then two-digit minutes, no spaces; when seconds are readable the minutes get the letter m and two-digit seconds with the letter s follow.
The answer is 1h28
